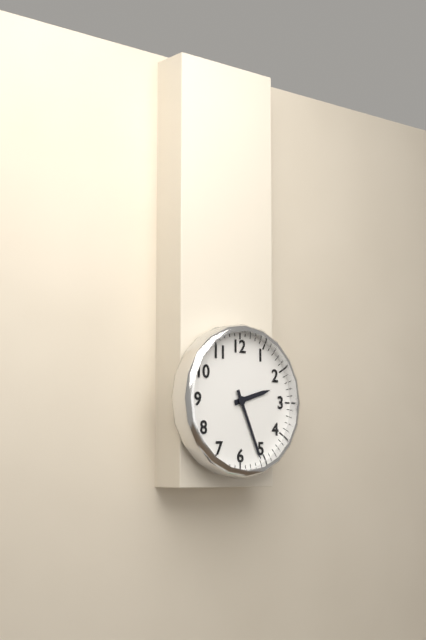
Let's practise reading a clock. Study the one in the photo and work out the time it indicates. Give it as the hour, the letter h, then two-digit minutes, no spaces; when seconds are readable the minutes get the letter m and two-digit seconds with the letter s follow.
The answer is 2h26
